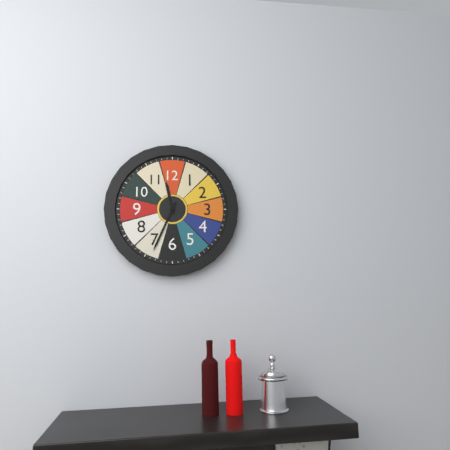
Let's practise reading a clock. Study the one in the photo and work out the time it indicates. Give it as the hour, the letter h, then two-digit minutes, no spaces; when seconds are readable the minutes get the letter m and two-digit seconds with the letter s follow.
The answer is 11h34
